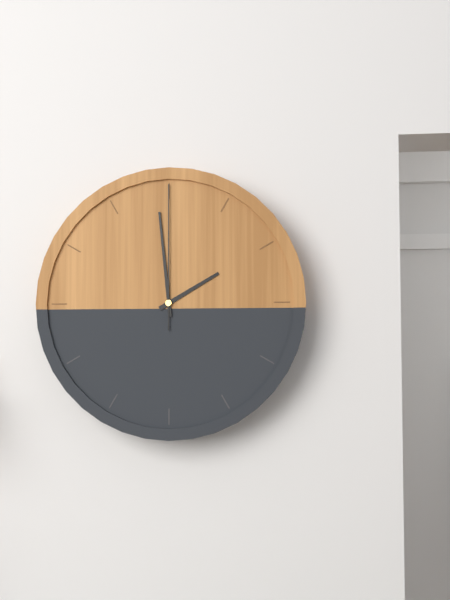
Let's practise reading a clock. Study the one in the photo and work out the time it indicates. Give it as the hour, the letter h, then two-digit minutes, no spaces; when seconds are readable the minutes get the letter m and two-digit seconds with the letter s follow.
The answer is 1h59m00s
